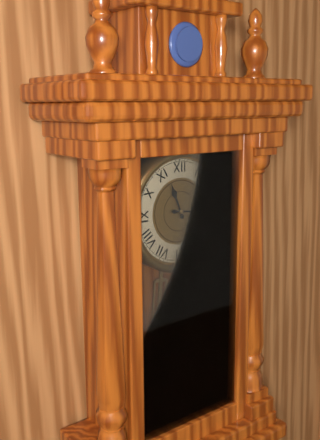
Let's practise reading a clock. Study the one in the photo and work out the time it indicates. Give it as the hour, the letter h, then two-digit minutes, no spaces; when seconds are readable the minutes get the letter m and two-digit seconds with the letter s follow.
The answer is 11h16
